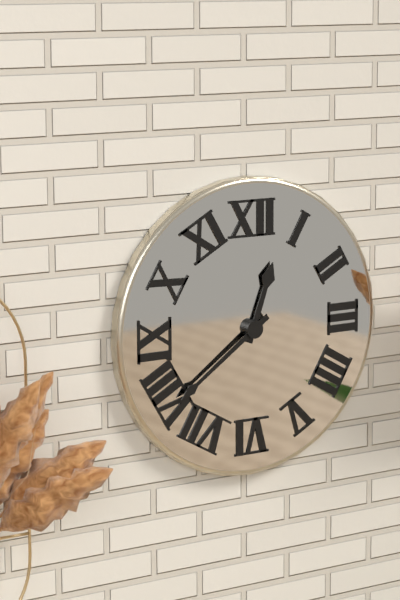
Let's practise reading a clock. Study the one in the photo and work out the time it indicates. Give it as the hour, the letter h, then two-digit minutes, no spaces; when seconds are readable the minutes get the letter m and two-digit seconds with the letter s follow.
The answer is 12h39
